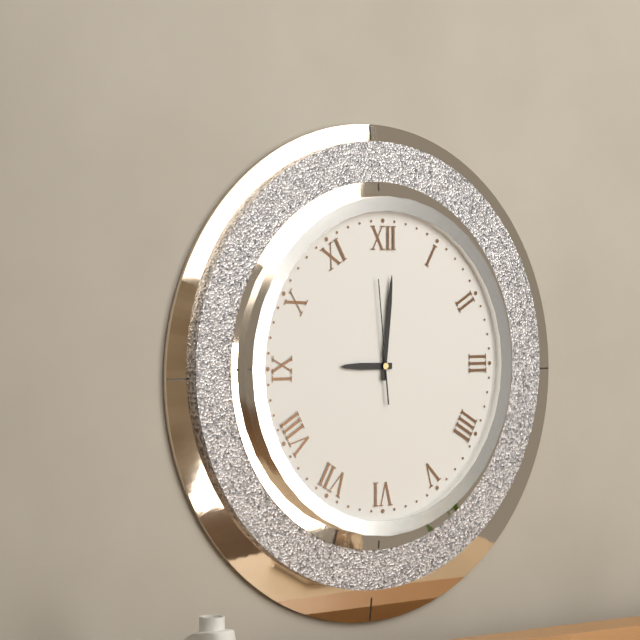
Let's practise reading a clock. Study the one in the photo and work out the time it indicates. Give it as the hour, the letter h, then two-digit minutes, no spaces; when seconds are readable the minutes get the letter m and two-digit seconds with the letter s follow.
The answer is 9h01m59s
